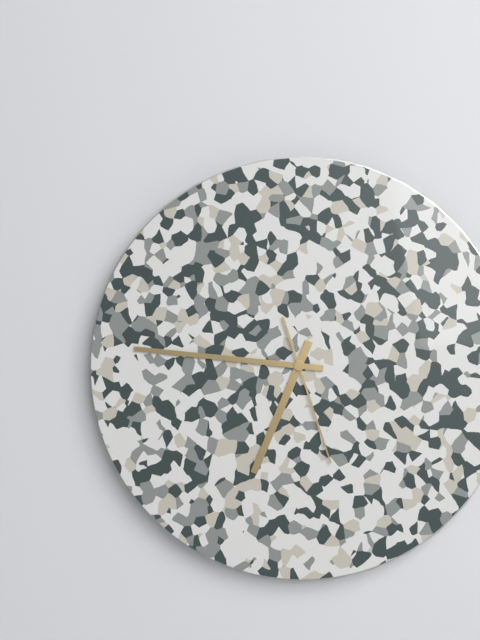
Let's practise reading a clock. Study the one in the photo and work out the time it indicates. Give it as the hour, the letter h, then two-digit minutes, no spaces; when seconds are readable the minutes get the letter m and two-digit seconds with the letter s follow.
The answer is 6h46m27s
